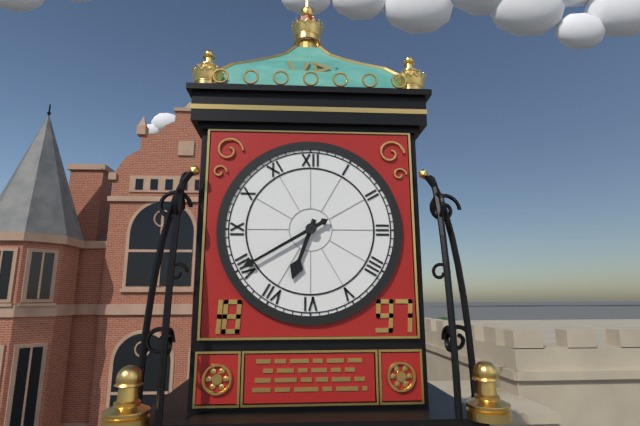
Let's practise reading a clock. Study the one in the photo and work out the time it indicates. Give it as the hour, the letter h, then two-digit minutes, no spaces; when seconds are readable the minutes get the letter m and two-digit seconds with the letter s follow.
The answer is 6h40
